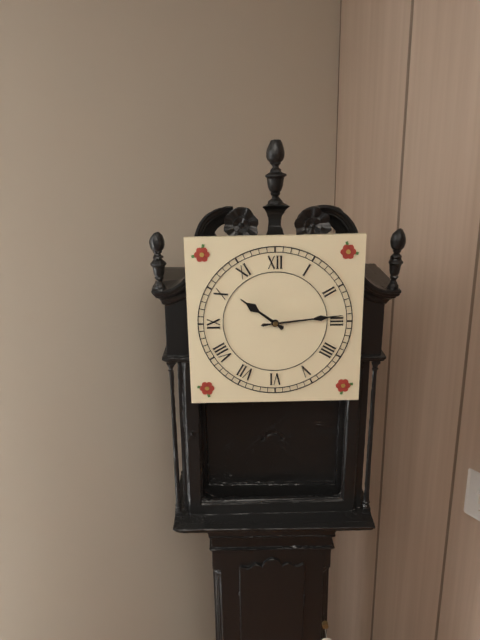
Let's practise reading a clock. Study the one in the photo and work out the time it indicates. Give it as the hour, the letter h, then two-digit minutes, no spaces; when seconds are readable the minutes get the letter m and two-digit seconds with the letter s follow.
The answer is 10h14
